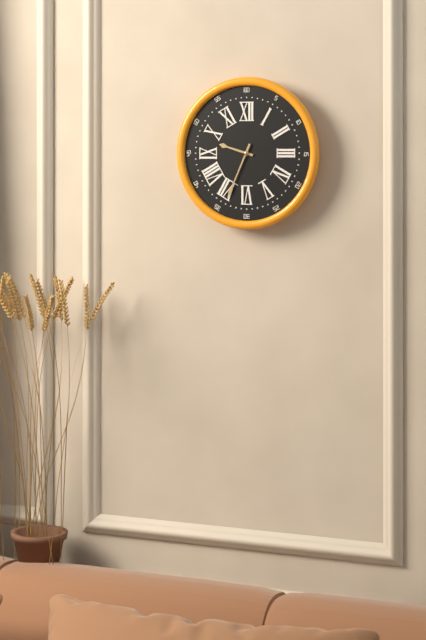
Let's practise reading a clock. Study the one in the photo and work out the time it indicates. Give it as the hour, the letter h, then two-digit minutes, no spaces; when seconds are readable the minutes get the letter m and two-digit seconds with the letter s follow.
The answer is 9h34
